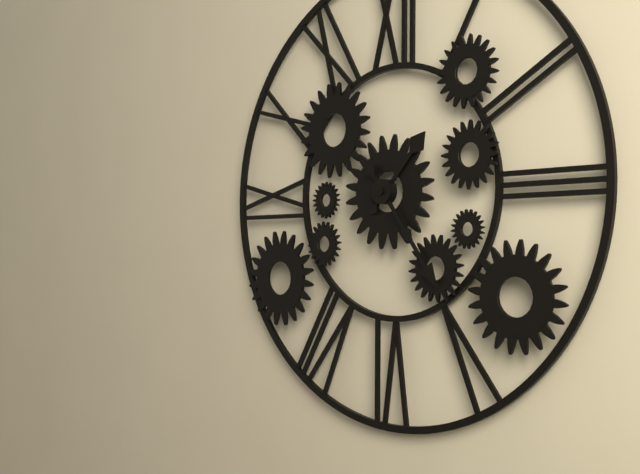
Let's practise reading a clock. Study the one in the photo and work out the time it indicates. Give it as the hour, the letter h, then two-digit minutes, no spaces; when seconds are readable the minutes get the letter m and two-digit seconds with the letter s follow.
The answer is 1h24
